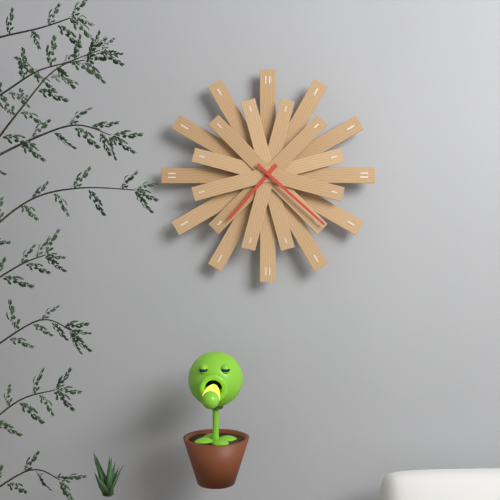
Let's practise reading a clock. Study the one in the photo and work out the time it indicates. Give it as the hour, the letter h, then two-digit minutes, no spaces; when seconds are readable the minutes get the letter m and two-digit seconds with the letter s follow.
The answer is 7h22
